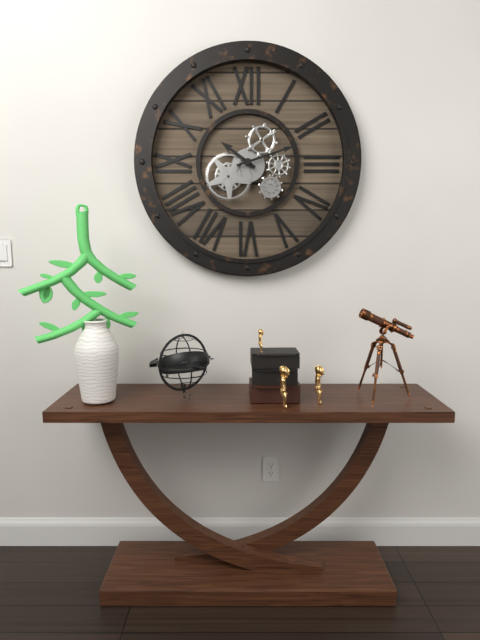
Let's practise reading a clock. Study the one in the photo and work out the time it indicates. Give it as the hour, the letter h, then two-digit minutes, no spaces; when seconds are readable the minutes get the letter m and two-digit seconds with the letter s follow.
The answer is 10h12
